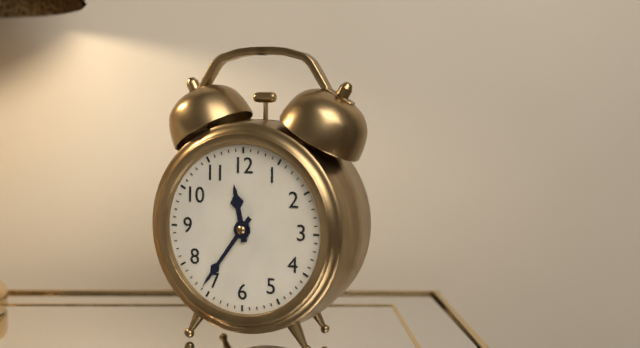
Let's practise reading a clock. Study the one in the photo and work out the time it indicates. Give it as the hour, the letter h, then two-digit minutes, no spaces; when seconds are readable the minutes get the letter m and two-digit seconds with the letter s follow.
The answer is 11h36
